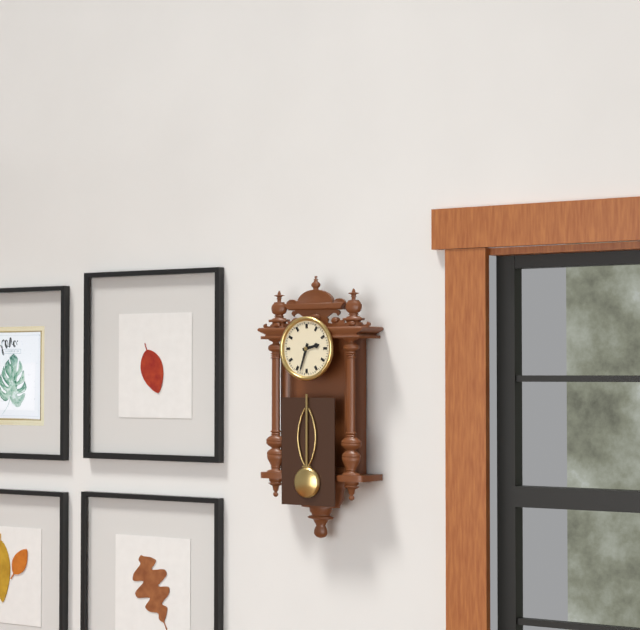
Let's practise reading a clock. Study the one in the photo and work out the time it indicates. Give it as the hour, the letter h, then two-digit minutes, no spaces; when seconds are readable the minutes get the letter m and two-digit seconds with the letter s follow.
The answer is 2h33
